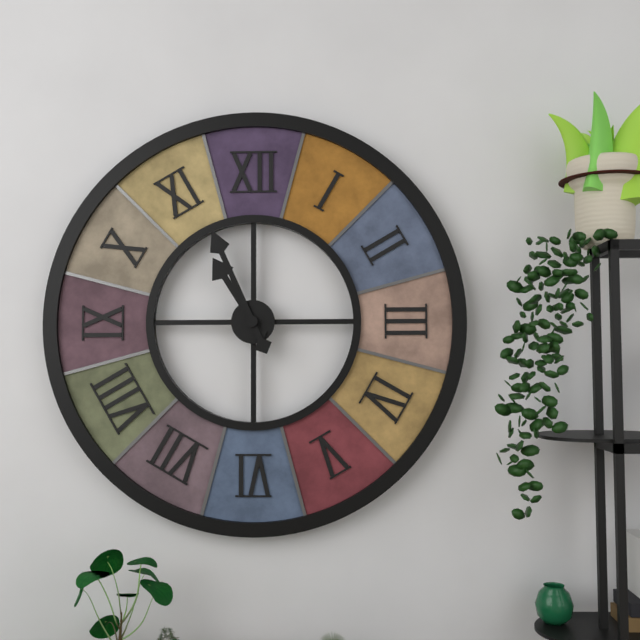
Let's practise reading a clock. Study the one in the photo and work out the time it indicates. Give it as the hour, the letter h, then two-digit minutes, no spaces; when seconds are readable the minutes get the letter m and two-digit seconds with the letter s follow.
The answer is 10h56
